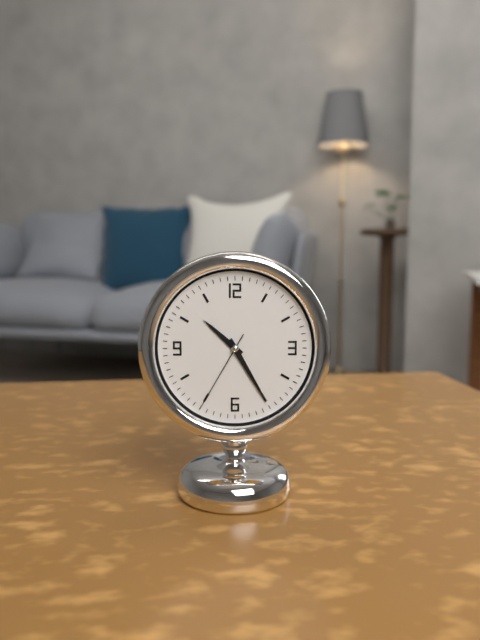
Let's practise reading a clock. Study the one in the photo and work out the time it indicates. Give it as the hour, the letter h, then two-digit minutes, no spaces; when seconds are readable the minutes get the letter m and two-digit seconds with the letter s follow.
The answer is 10h25m35s
